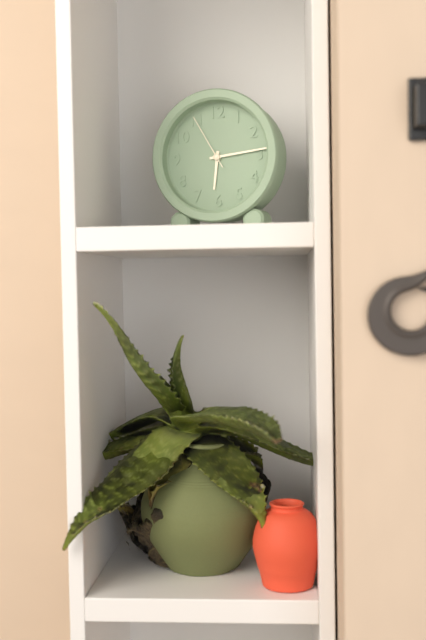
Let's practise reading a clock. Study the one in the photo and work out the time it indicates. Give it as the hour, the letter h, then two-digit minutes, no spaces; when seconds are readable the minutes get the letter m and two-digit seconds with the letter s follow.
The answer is 6h14m55s
